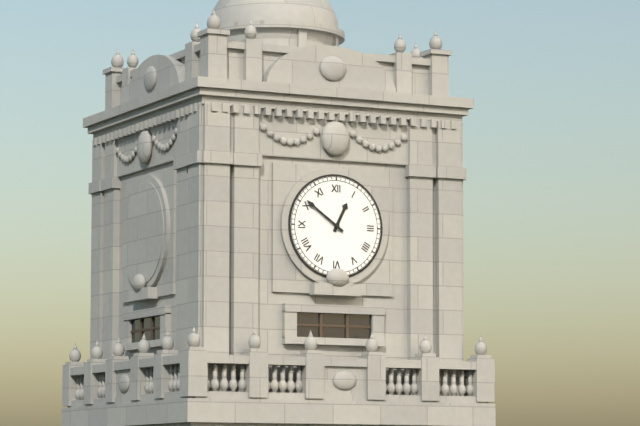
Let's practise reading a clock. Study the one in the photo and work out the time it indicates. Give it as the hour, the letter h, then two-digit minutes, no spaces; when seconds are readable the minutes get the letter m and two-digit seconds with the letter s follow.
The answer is 12h51
